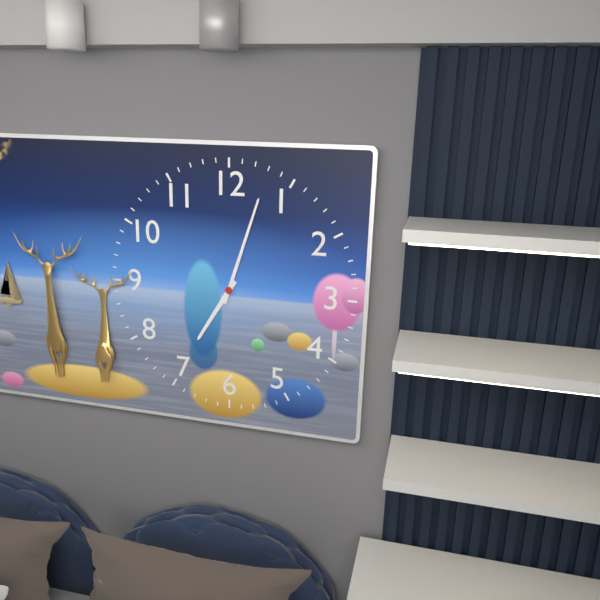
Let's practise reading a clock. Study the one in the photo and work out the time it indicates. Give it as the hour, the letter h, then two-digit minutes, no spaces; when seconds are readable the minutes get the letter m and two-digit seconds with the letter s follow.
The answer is 7h03
